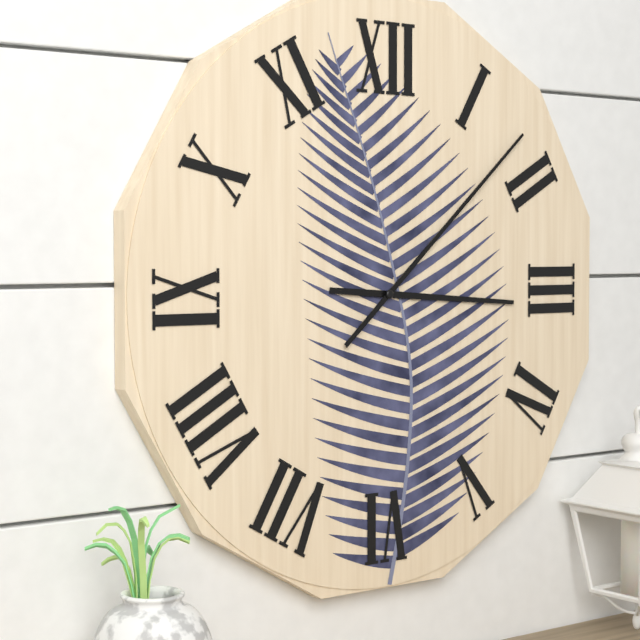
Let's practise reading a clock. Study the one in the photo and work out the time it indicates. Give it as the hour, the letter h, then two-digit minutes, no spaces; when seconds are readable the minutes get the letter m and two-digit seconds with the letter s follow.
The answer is 3h08
